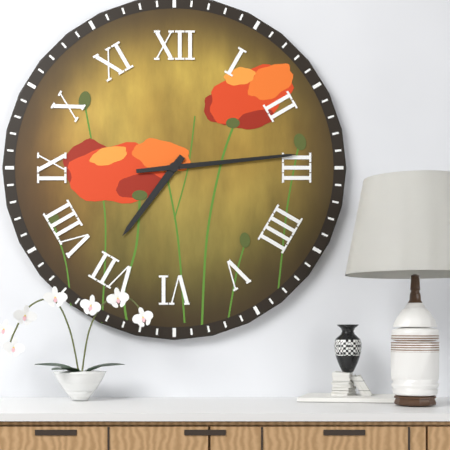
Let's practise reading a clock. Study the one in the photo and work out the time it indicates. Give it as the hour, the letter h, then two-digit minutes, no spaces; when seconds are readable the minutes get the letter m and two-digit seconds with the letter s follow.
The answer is 7h14
